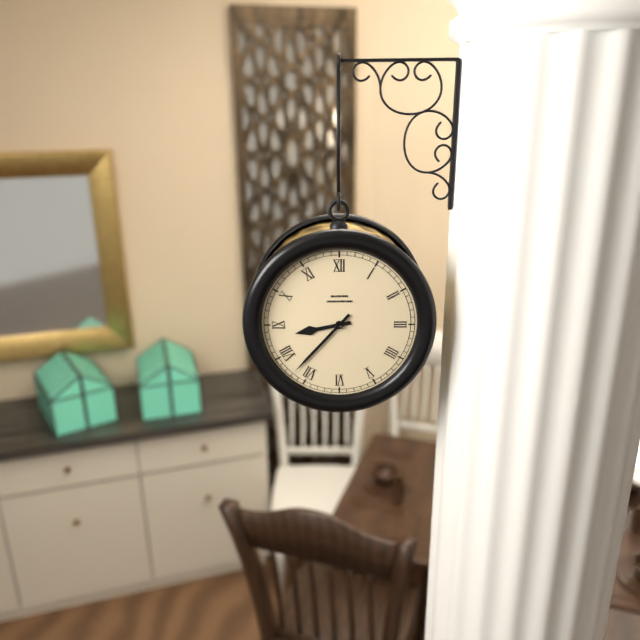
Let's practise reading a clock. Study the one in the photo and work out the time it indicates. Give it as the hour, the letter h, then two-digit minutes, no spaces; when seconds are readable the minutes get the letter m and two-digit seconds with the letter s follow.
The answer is 8h37
